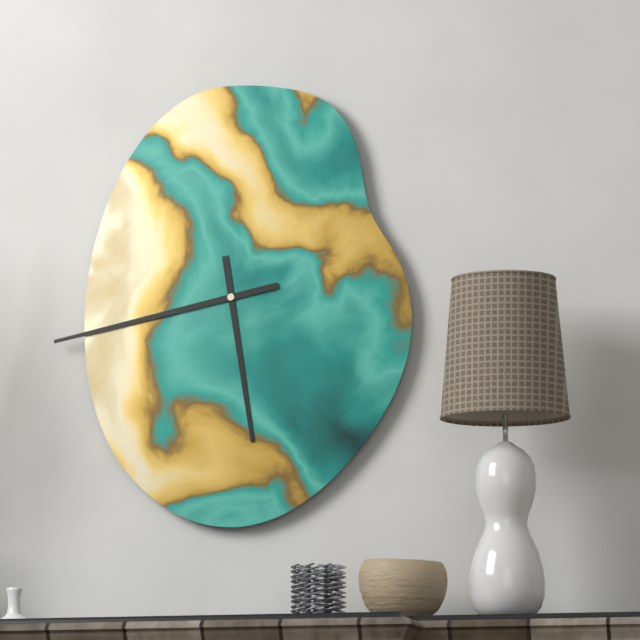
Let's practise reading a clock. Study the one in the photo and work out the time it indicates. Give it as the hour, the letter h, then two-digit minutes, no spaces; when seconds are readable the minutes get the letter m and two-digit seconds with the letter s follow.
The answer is 5h43
